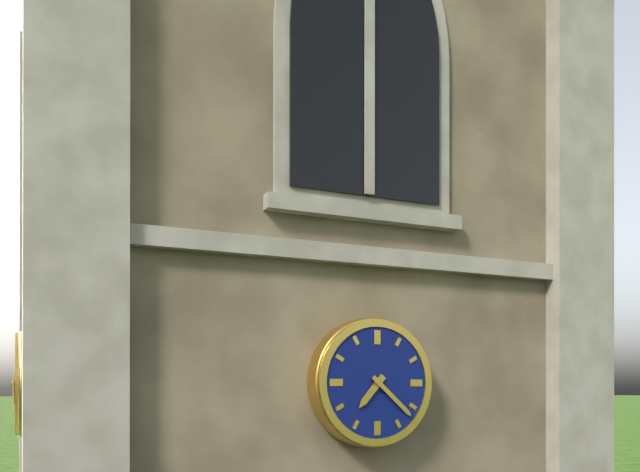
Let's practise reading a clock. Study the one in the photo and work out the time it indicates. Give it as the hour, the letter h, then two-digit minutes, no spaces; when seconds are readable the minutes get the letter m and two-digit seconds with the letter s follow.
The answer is 7h22
